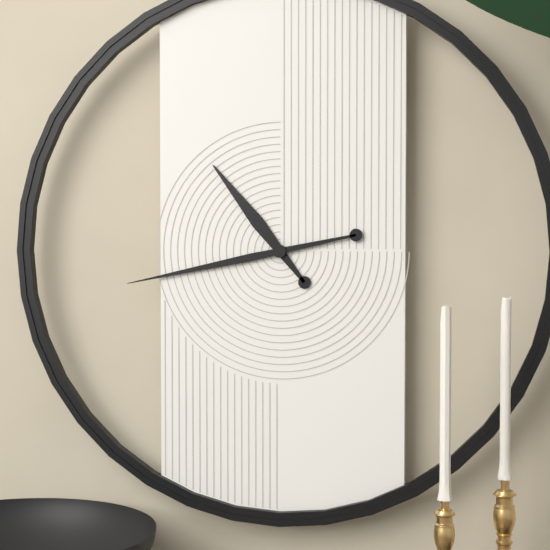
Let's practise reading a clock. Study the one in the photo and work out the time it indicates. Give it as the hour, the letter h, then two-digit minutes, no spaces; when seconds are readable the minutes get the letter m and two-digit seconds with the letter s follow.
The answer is 10h43
